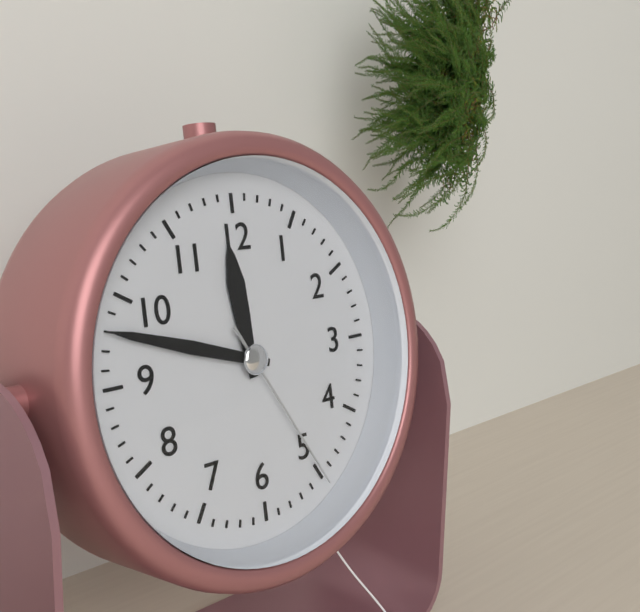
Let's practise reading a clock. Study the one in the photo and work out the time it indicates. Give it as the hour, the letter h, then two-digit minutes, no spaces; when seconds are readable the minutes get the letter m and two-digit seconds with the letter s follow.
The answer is 11h48m25s
